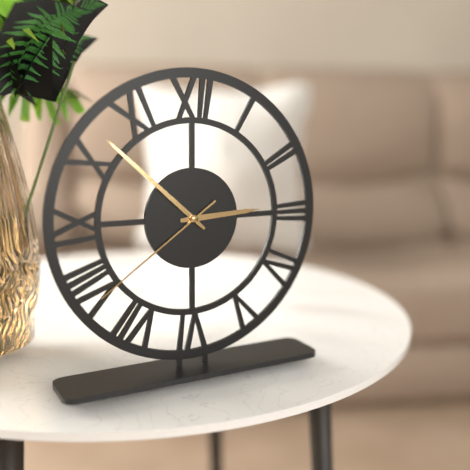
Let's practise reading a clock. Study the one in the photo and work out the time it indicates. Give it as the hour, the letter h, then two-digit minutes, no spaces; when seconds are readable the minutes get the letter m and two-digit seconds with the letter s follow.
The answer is 2h52m39s
